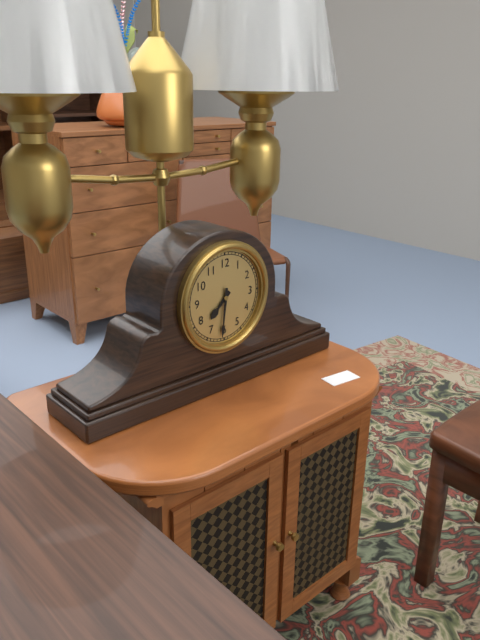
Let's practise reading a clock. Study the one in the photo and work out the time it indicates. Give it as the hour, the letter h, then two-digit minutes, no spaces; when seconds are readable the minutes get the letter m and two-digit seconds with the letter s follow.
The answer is 7h31
